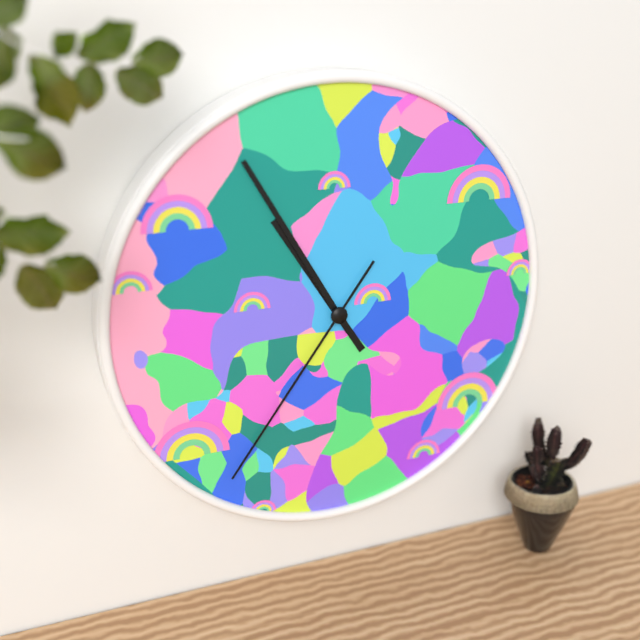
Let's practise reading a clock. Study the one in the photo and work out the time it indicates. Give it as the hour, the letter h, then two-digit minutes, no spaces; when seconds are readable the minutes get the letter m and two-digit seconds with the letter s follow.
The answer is 10h55m36s
